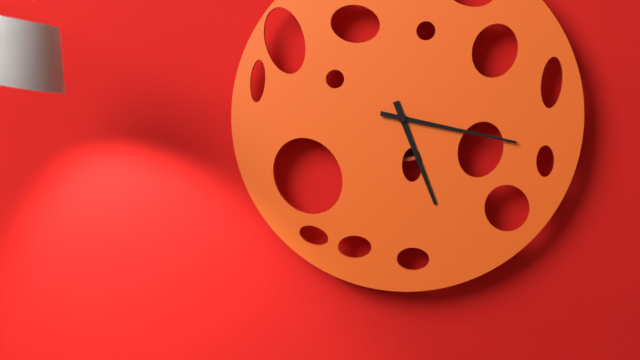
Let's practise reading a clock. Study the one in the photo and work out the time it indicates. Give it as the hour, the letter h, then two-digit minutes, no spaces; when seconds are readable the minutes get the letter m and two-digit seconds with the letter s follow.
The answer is 5h17
